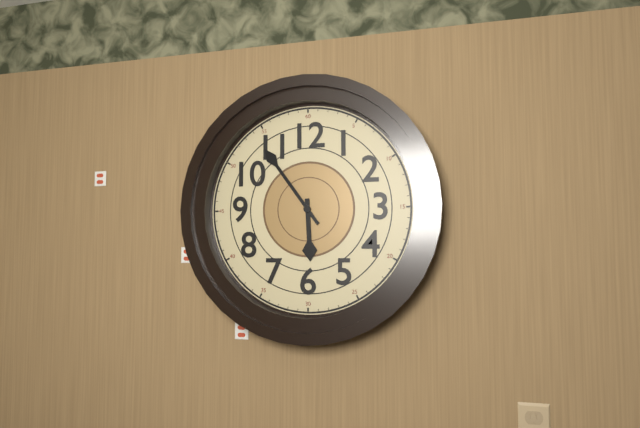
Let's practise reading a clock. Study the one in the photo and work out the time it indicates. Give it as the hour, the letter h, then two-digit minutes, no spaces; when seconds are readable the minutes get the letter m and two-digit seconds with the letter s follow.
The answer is 5h54
